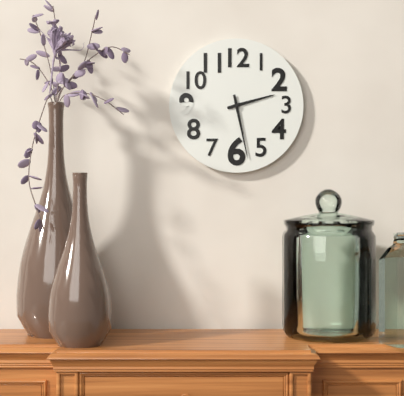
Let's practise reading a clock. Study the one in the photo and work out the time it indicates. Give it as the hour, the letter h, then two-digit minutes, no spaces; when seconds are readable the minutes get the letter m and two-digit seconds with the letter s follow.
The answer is 2h28
